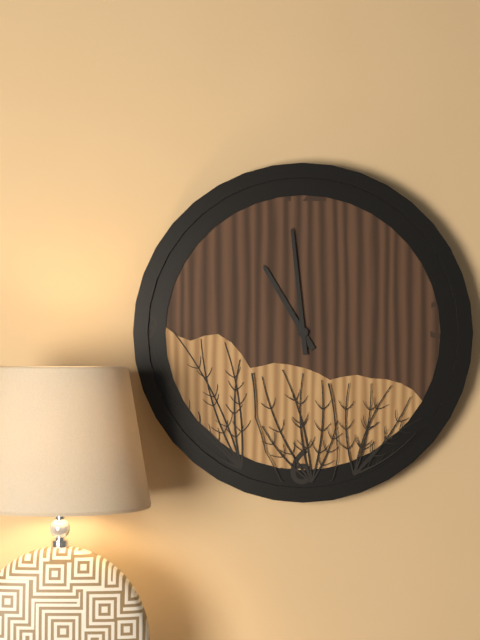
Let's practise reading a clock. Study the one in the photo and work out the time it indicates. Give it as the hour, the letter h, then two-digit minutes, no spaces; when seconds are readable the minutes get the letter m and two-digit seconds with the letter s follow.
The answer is 10h59
